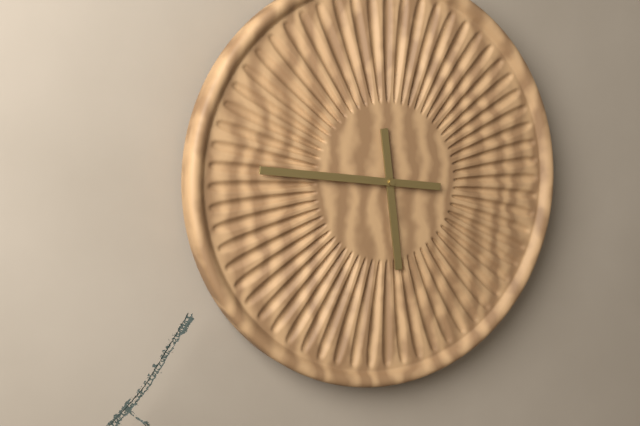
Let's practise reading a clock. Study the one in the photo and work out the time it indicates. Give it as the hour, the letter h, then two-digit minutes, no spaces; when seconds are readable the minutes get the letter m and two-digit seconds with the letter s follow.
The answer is 5h46
